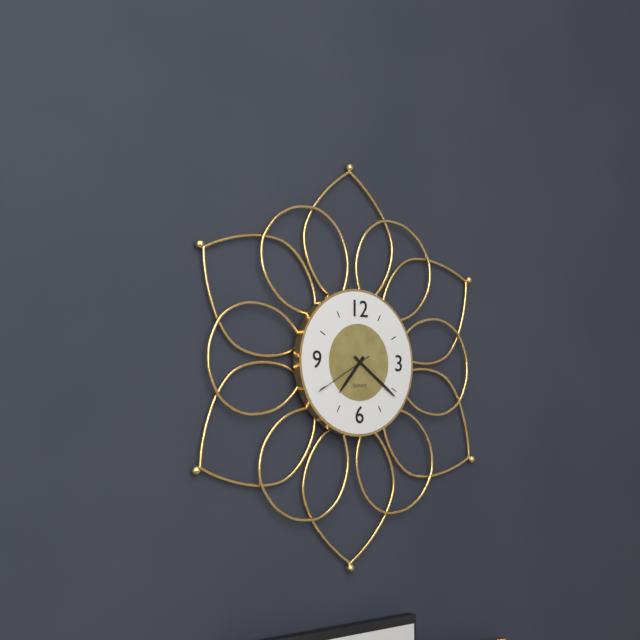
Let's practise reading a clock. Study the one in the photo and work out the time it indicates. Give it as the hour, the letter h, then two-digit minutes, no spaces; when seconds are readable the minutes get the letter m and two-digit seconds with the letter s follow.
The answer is 7h21
